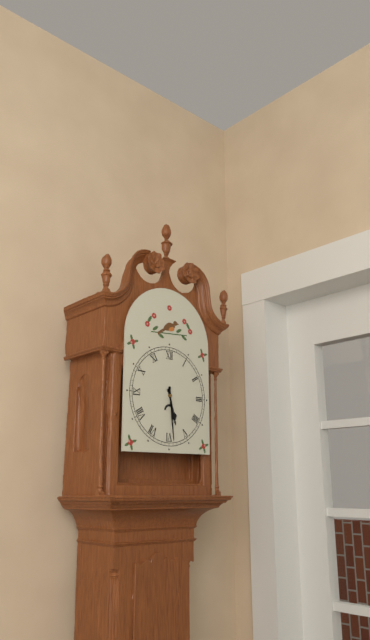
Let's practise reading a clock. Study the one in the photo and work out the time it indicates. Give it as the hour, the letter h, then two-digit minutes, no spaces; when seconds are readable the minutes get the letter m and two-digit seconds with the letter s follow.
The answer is 5h29
